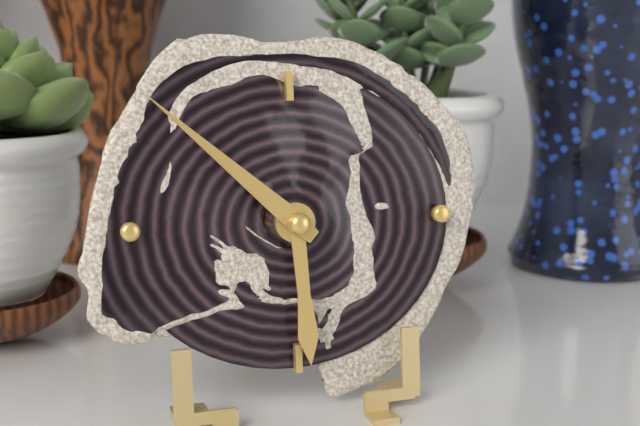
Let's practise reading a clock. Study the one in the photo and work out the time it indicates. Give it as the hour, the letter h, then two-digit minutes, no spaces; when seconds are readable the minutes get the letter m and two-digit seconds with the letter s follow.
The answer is 5h52
